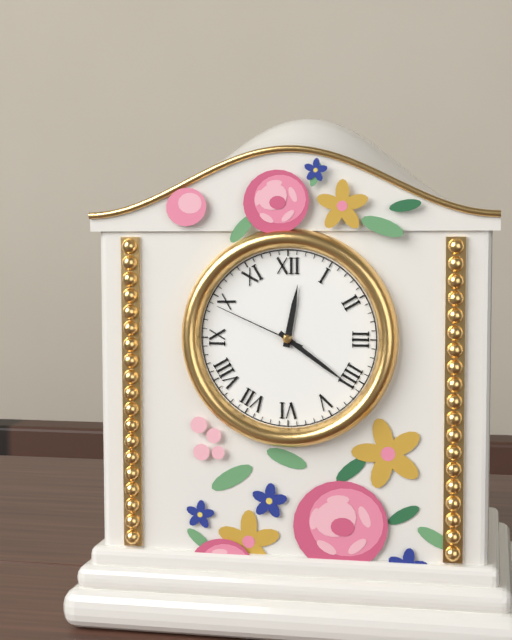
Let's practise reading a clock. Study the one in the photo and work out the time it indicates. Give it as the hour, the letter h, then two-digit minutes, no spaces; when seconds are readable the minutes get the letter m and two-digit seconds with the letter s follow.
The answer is 12h21m49s
